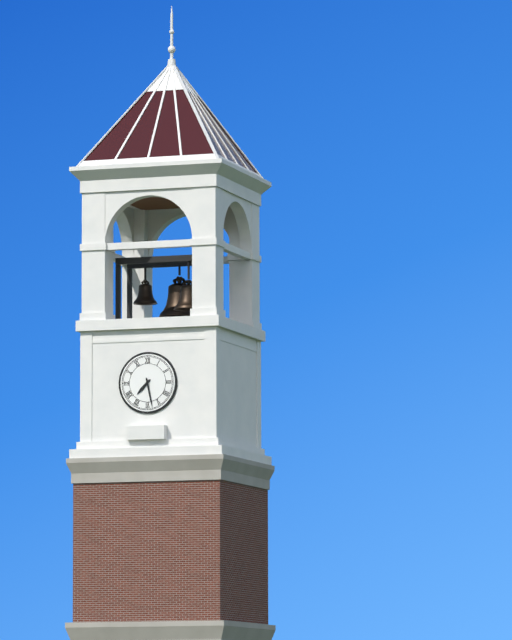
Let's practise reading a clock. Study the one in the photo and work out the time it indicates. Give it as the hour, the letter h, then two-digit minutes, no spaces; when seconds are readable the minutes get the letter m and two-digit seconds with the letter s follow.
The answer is 7h28
